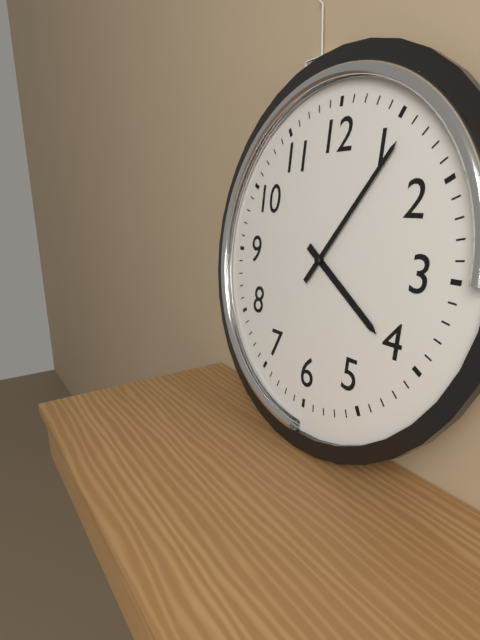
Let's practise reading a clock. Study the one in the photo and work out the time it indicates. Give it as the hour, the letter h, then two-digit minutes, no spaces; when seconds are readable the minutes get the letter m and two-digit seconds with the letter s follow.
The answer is 4h06
